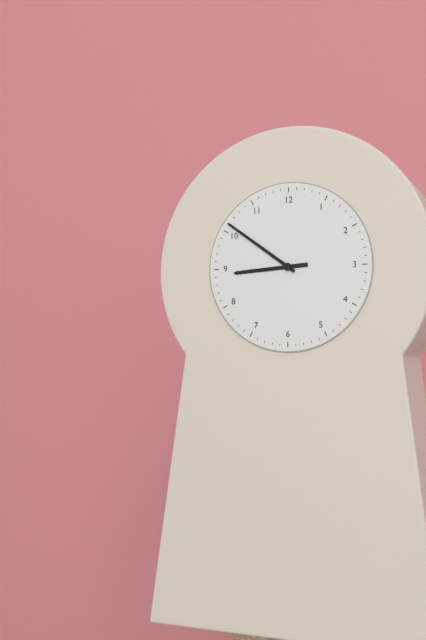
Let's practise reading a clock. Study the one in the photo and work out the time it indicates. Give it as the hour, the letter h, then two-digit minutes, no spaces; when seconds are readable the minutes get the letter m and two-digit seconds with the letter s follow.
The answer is 8h51
